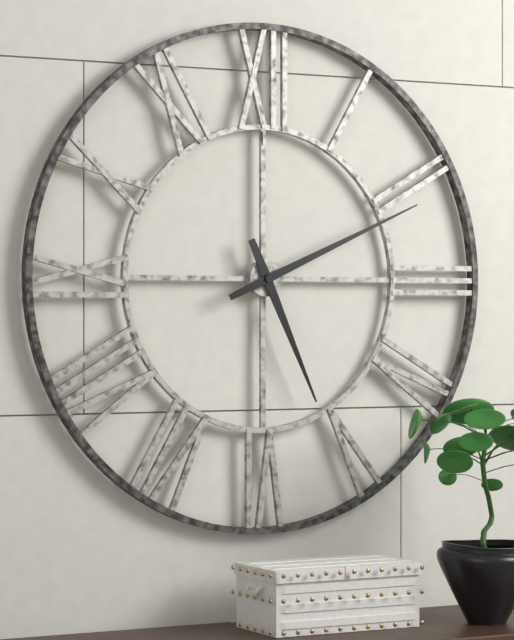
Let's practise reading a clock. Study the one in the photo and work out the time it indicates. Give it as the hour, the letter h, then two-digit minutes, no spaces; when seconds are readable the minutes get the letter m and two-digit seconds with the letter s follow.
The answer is 5h11
